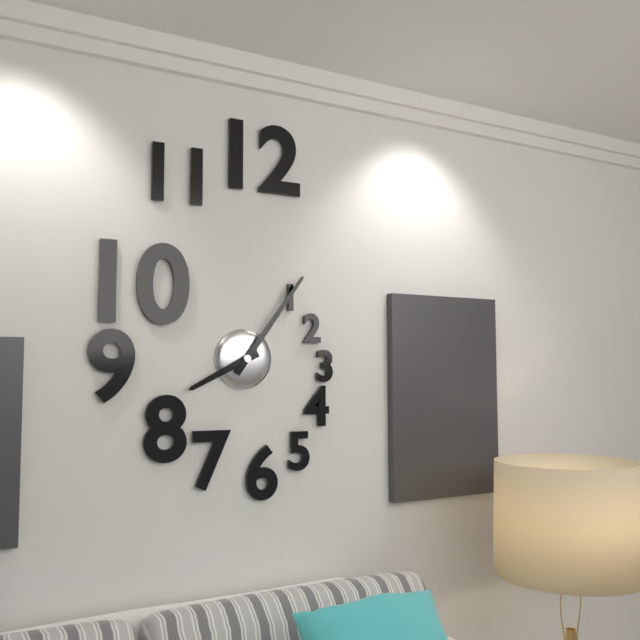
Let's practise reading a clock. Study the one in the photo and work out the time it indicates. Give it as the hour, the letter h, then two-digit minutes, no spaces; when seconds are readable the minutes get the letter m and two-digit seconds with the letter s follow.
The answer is 8h06
